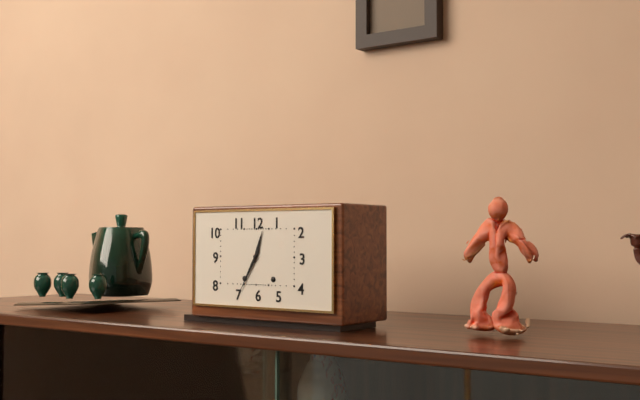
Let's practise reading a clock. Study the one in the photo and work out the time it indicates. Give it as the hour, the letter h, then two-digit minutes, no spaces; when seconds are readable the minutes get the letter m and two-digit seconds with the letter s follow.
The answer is 12h35
